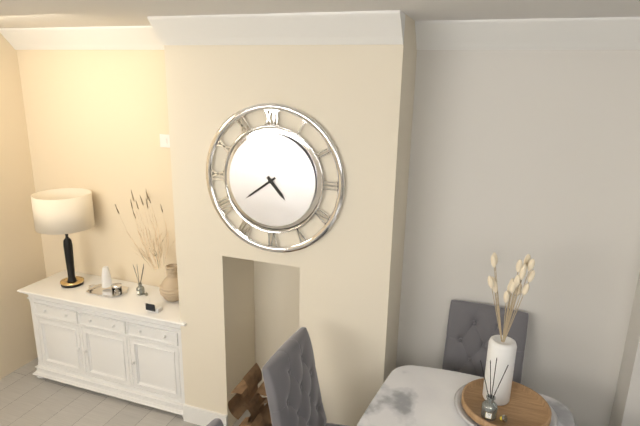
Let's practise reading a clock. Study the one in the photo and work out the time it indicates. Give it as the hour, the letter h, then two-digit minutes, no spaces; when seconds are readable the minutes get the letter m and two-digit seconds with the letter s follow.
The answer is 4h39
